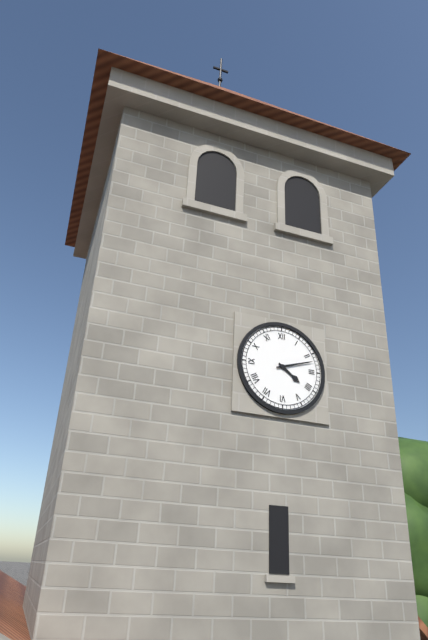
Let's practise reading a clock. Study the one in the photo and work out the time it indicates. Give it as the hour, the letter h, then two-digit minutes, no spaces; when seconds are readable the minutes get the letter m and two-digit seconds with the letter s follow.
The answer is 4h12
